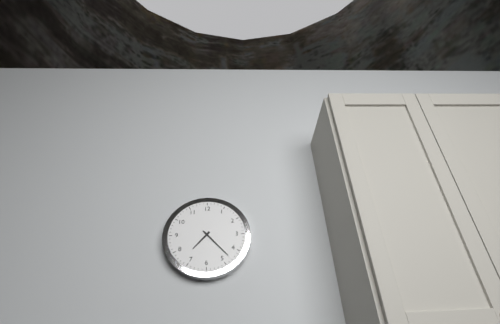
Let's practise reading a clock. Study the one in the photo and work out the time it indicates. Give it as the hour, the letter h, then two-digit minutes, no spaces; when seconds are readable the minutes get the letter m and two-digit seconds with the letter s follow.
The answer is 7h23
